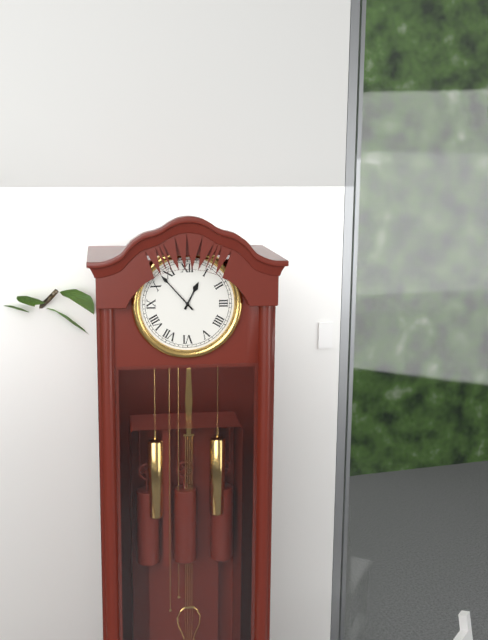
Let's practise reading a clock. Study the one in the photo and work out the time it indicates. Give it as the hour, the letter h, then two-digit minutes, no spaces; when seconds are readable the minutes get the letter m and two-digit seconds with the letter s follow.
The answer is 12h53
